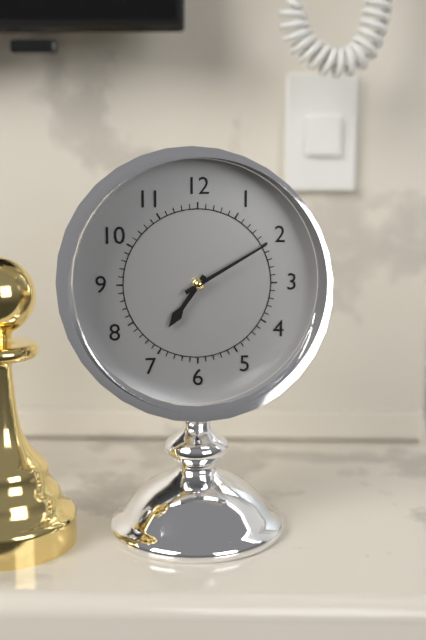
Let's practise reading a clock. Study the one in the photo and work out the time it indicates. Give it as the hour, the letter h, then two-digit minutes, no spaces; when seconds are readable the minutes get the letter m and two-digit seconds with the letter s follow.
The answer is 7h10
